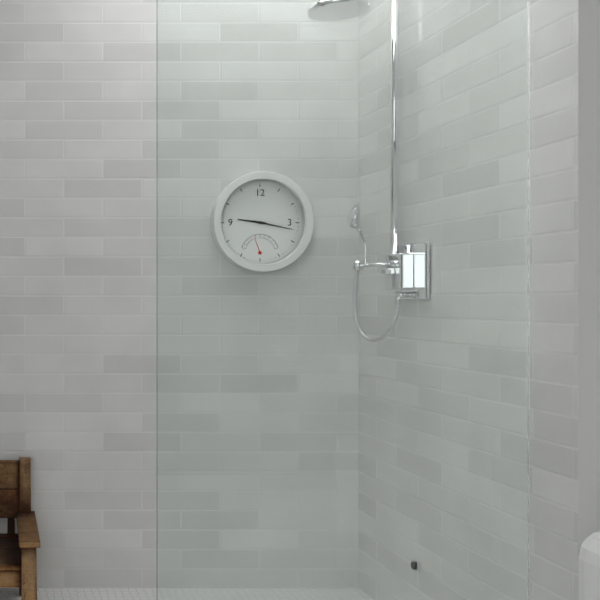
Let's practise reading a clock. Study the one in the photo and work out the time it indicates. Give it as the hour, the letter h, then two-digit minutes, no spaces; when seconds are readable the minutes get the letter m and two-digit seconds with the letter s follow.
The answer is 9h17
